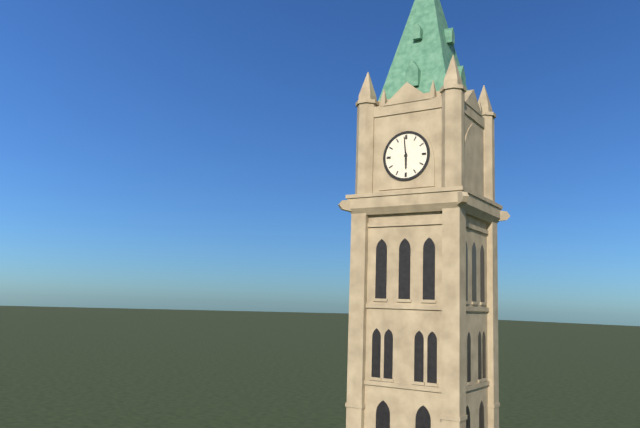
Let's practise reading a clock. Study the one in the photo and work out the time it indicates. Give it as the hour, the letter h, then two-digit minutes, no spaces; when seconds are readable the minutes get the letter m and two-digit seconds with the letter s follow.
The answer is 5h59
